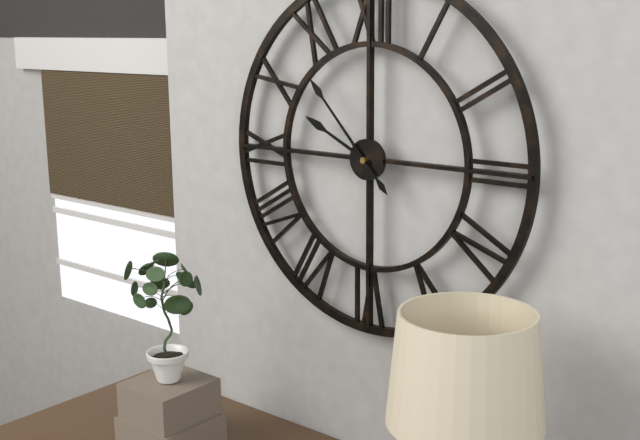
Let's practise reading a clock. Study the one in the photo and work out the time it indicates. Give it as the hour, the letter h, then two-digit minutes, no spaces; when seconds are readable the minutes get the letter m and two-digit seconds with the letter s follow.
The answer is 9h53
